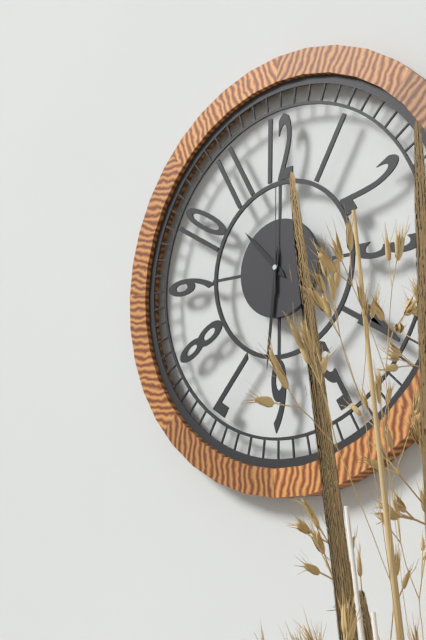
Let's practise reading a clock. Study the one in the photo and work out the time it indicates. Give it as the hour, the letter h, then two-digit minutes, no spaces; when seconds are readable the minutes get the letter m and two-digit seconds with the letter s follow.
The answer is 10h31m00s
